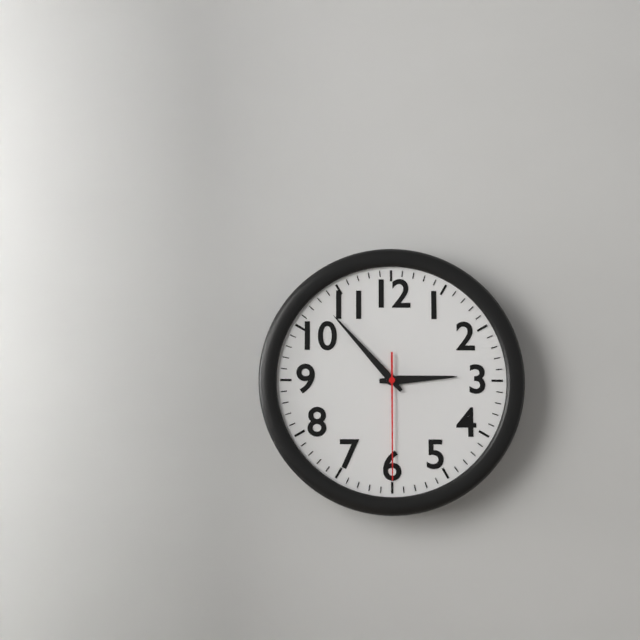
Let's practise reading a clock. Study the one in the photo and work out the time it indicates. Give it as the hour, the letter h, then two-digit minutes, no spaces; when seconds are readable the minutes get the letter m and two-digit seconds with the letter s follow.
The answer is 2h53m30s
